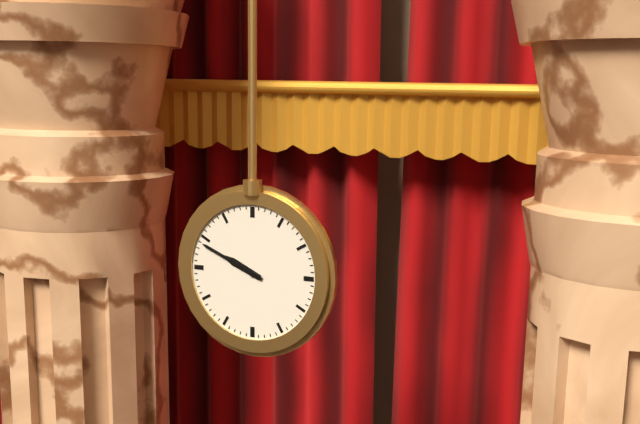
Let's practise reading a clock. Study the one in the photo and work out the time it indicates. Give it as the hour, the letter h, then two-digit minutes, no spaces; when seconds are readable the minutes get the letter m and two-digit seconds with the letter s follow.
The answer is 9h49
